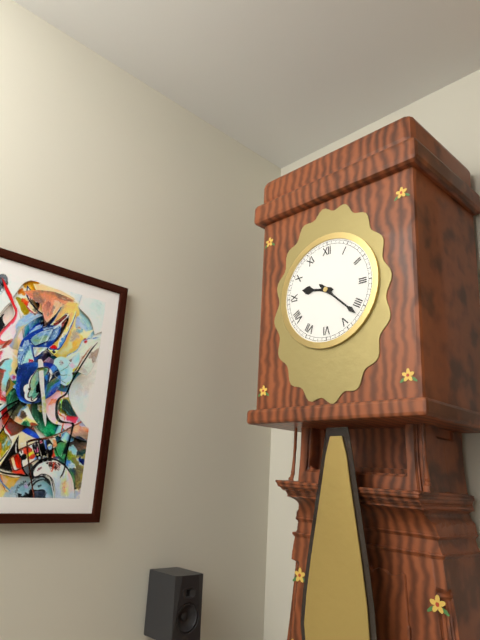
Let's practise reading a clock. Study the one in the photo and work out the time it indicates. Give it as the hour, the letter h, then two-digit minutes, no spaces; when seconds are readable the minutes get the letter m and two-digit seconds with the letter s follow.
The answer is 9h22
